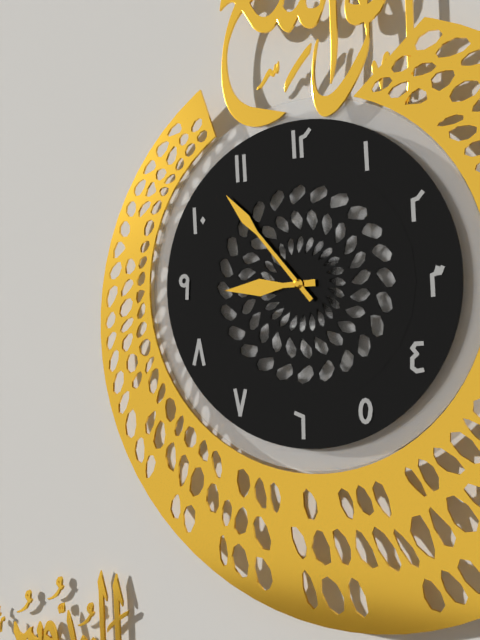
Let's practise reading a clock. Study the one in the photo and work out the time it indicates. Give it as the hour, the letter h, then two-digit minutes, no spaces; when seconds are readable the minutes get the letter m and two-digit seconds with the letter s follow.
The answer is 8h53
